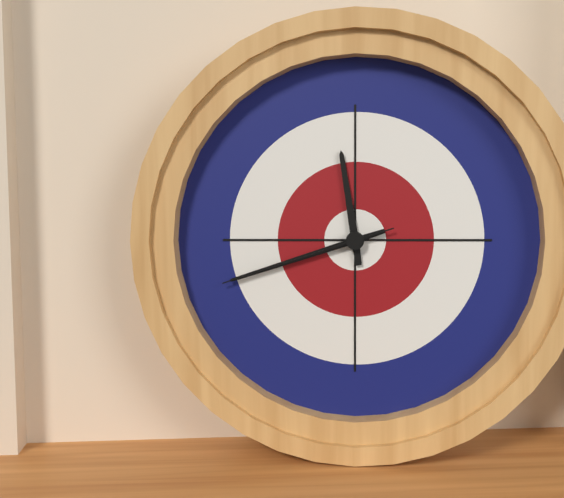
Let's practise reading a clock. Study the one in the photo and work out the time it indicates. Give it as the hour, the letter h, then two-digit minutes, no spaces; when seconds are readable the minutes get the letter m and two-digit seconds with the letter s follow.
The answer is 11h42m42s
